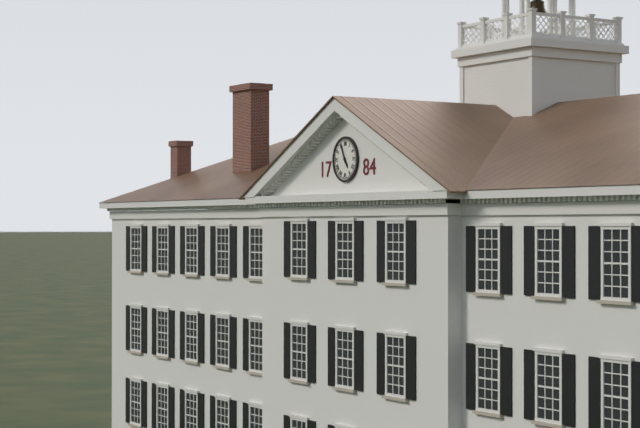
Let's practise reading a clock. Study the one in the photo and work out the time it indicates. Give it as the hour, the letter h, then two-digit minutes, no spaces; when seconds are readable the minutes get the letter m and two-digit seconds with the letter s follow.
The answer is 4h56
